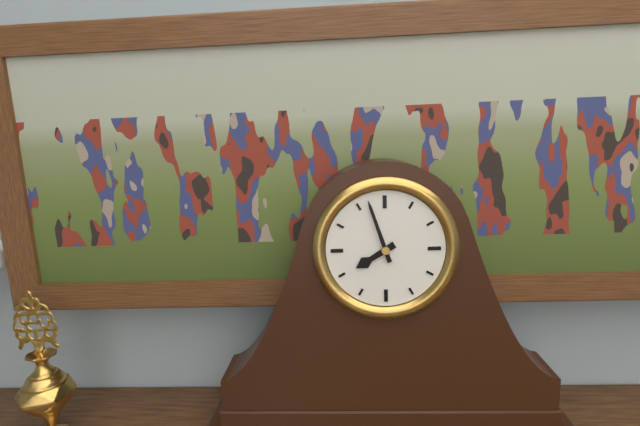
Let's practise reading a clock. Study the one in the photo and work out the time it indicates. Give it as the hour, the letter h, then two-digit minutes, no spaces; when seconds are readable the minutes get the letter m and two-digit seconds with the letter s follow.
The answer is 7h57
